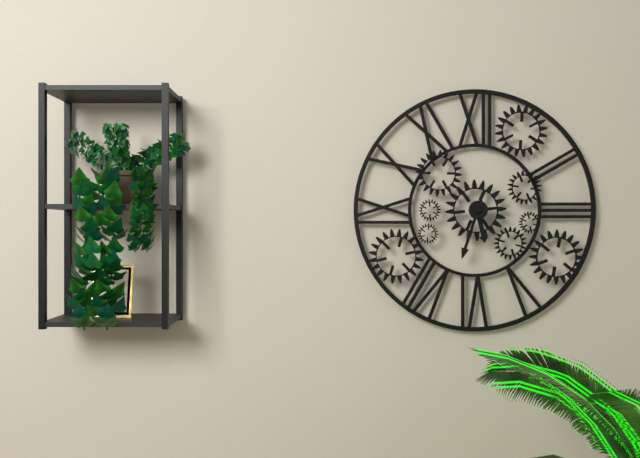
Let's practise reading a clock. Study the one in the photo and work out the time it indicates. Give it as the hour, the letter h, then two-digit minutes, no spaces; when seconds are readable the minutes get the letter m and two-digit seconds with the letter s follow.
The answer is 5h33
